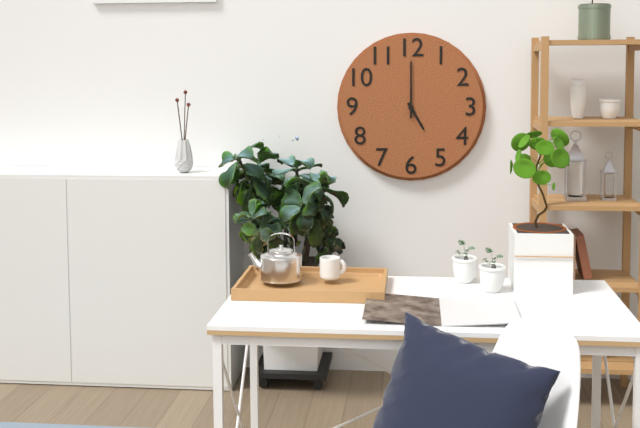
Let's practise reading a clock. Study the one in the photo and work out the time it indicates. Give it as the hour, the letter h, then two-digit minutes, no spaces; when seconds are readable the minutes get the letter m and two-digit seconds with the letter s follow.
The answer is 5h00
